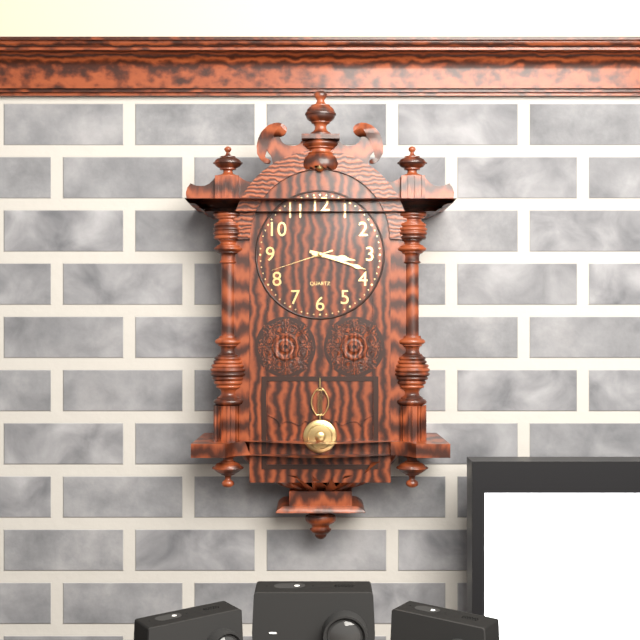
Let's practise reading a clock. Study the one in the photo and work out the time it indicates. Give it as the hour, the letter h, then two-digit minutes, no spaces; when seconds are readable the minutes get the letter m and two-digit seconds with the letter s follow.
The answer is 3h18m42s
